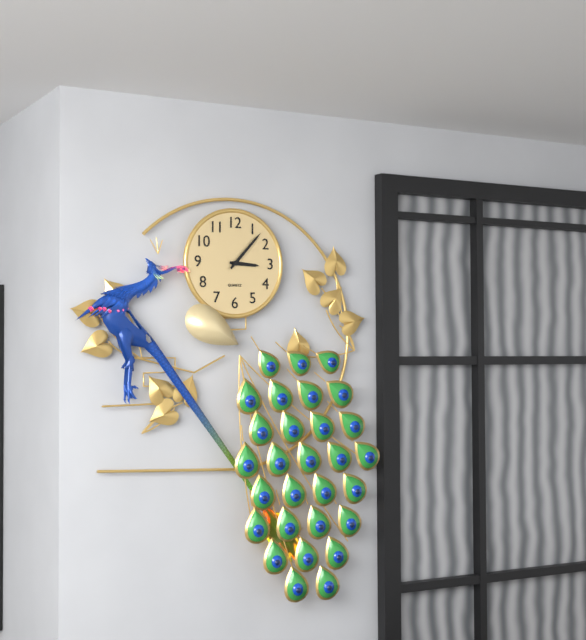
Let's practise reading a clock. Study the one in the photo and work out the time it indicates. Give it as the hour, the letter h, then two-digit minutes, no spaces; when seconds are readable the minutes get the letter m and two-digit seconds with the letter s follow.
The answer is 3h07
